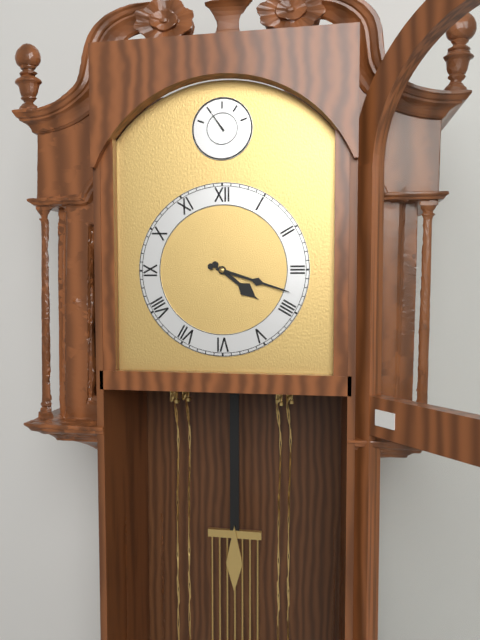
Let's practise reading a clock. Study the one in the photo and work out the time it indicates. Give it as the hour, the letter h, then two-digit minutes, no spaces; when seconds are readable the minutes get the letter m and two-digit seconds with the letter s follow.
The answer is 4h18
